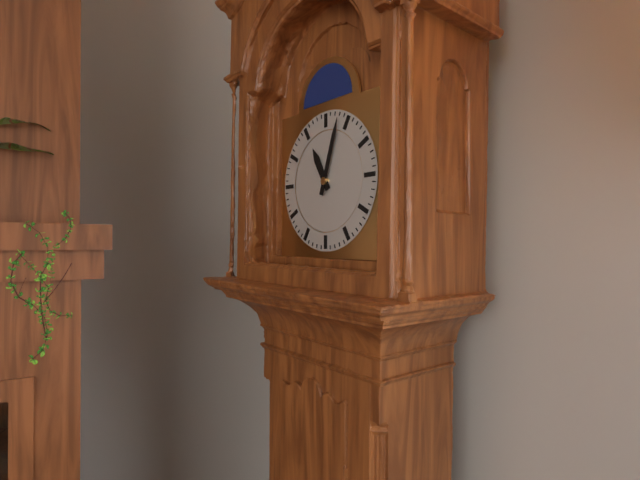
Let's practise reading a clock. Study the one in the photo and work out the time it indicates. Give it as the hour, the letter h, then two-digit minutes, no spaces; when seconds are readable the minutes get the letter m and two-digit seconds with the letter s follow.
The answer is 11h03
